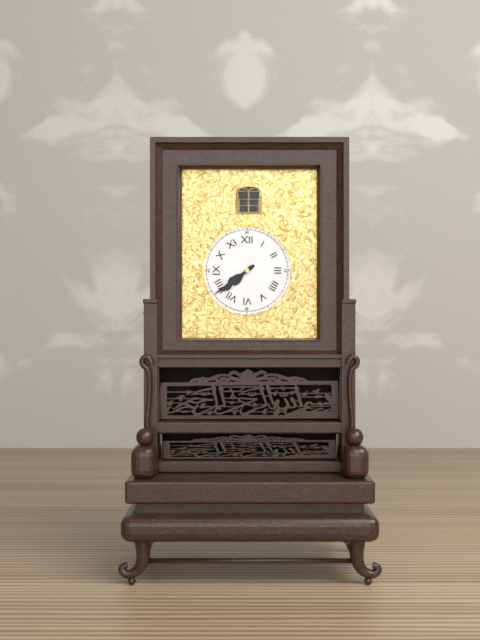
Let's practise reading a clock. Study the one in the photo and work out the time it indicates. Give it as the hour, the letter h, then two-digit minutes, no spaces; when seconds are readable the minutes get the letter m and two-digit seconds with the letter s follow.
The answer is 7h39
